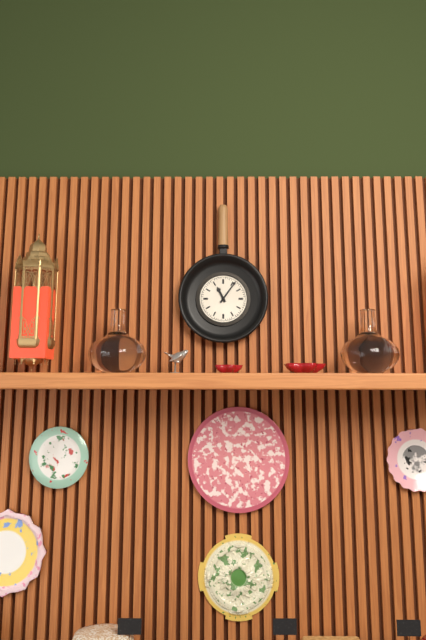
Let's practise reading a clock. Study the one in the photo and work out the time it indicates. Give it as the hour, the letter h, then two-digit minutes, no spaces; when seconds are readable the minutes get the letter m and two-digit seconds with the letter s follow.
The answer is 11h06
